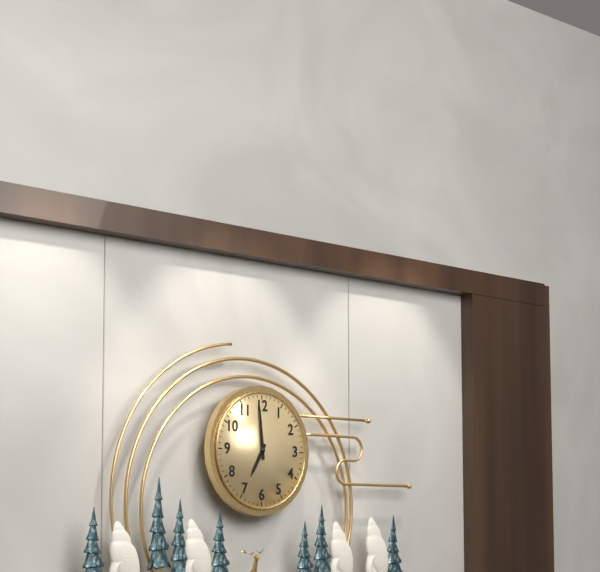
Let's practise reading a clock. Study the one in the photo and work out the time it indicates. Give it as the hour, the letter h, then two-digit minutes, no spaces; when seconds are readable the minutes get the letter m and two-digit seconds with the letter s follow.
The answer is 6h59
